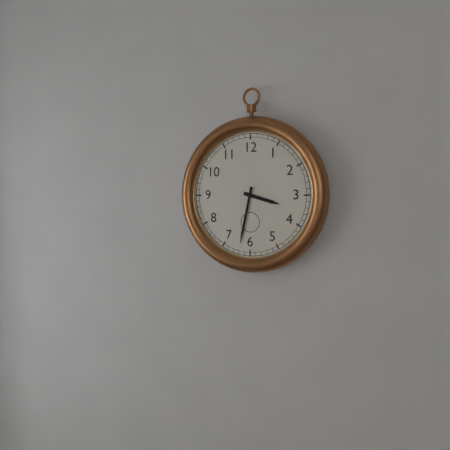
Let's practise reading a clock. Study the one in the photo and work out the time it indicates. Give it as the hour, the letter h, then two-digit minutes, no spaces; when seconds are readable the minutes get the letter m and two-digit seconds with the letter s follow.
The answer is 3h32
